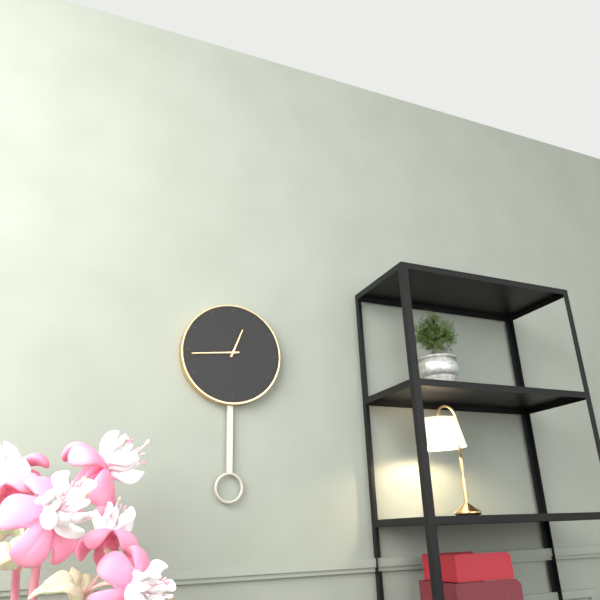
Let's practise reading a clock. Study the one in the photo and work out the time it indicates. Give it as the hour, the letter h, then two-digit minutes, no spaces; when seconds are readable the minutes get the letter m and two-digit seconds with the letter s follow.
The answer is 12h44
